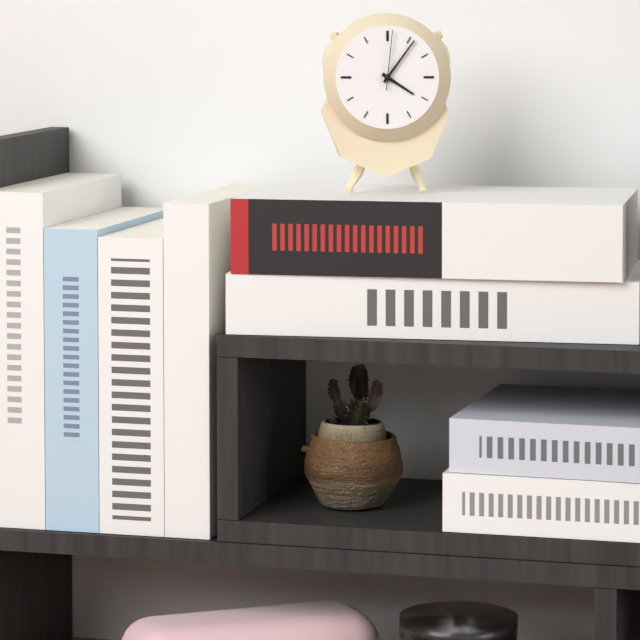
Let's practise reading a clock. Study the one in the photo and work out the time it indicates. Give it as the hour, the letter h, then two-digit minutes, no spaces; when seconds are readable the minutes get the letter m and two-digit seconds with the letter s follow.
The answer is 4h06m01s
